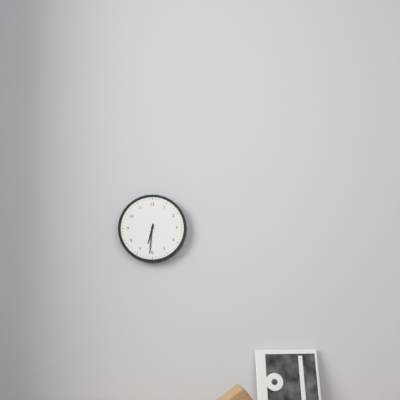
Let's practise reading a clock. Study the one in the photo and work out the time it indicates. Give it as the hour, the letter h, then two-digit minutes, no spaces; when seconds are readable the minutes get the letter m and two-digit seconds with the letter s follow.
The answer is 6h31
